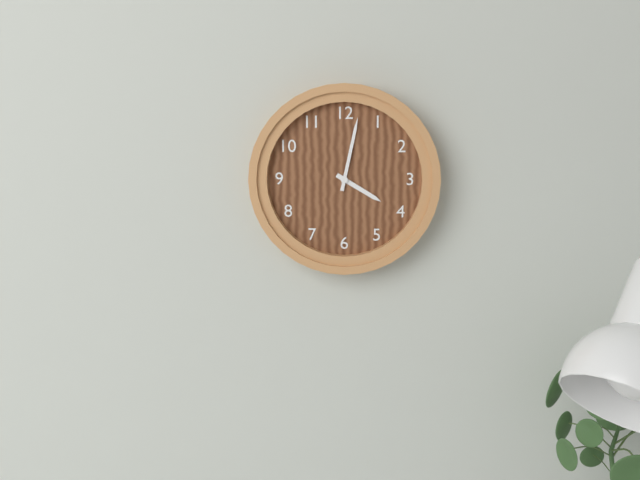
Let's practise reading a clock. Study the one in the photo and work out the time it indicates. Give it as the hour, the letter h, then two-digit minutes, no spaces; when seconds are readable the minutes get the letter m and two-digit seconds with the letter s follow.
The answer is 4h02
